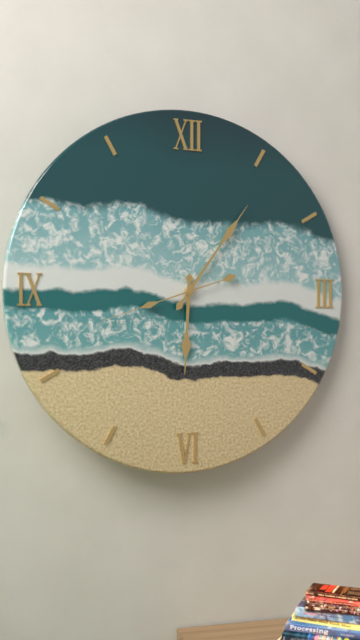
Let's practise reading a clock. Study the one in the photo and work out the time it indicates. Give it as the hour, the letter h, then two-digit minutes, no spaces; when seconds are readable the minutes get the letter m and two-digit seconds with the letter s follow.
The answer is 6h06m42s
